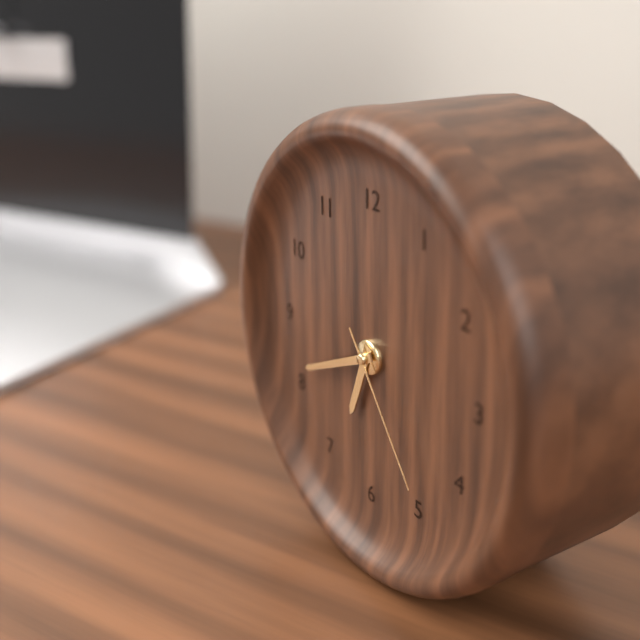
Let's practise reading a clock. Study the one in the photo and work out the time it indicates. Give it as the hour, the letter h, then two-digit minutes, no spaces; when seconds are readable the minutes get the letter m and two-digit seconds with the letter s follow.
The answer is 6h41m24s
